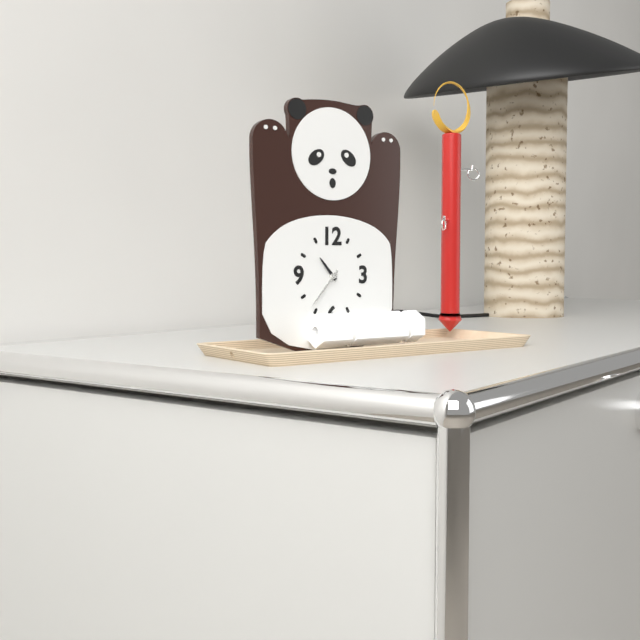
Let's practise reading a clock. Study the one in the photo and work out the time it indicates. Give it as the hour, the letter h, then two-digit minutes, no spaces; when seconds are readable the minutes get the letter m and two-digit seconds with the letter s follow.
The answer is 10h37
